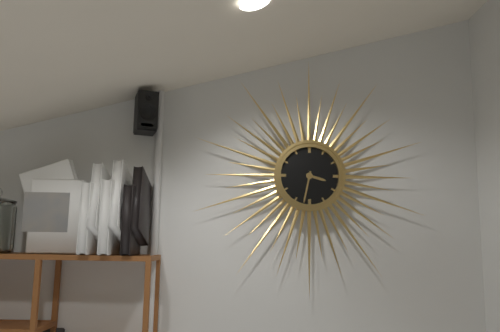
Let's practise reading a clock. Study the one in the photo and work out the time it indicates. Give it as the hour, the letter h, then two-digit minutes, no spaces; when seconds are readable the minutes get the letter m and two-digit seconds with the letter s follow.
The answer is 3h32
